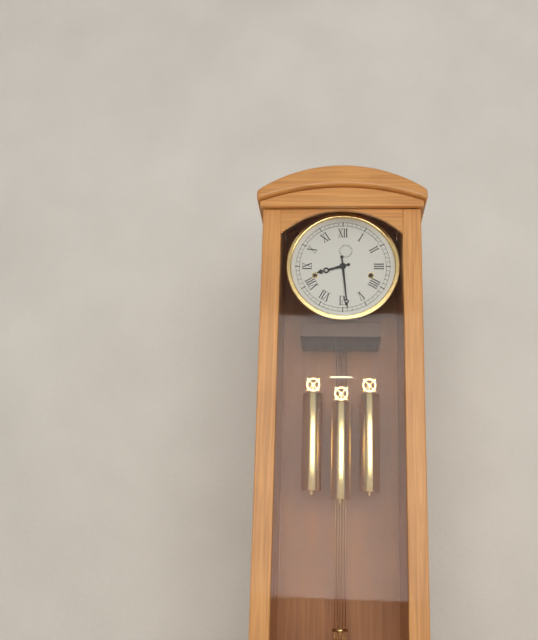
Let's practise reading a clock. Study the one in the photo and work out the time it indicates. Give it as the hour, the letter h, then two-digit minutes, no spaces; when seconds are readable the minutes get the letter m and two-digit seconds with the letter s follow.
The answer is 8h29
